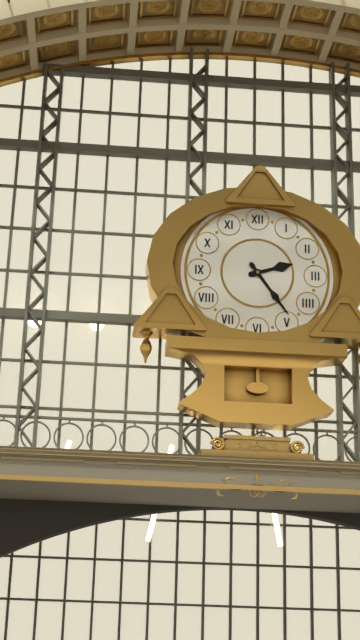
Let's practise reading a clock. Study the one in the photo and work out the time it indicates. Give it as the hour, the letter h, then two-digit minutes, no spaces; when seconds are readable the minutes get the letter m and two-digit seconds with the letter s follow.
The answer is 2h24
